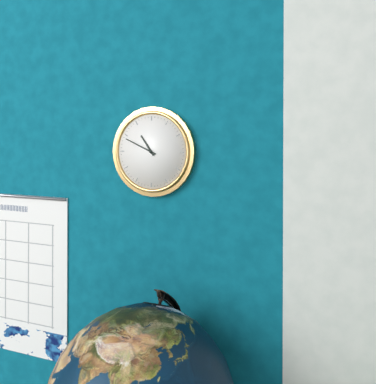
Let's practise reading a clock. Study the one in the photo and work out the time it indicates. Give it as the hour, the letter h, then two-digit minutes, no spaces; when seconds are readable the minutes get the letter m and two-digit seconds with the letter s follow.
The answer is 10h49
